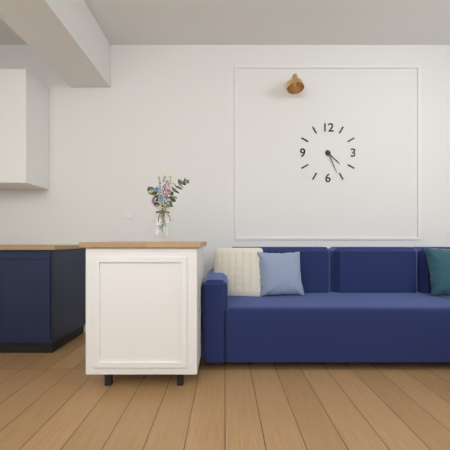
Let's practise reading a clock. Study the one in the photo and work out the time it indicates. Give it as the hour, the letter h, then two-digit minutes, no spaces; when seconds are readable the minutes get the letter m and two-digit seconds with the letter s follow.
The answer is 4h26
